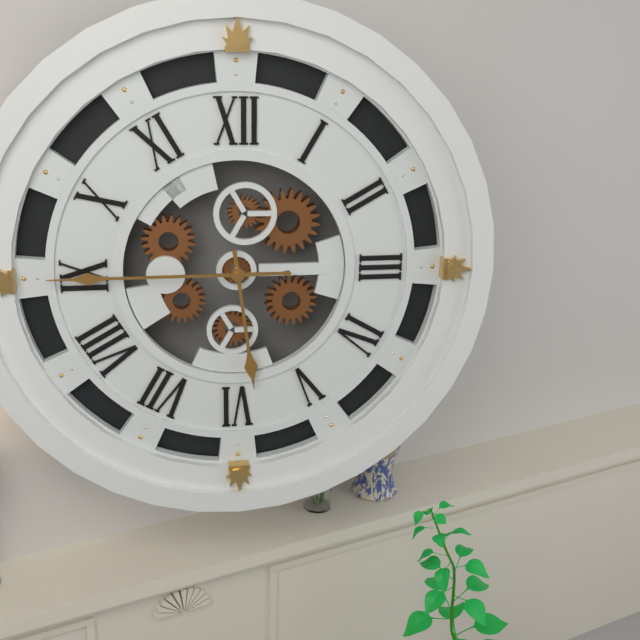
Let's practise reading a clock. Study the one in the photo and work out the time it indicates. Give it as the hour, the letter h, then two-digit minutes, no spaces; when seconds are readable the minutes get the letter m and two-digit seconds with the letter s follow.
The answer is 5h45
